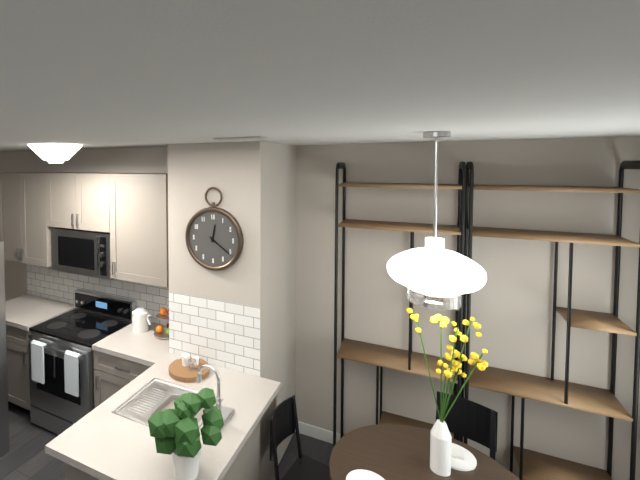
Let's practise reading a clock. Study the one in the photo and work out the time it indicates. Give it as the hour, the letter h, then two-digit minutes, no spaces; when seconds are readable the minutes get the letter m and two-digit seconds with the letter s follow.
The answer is 12h21
